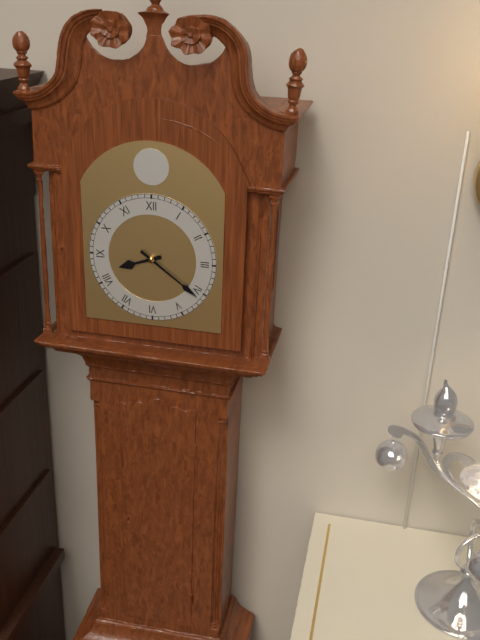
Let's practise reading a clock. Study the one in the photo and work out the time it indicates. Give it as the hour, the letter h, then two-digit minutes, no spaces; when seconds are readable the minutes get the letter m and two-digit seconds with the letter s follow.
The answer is 8h21
